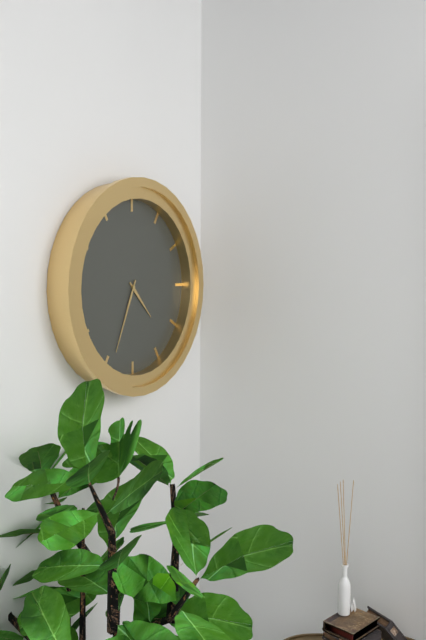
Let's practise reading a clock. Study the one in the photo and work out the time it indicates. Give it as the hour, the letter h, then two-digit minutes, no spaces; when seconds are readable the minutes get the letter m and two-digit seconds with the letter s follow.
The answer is 4h34
